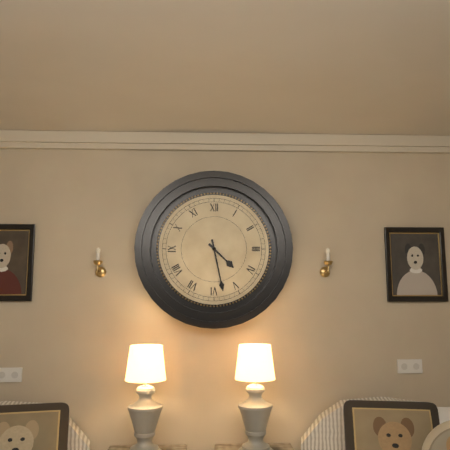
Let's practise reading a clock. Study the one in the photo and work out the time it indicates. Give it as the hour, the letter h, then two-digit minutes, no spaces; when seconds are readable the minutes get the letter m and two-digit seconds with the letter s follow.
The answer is 4h28
